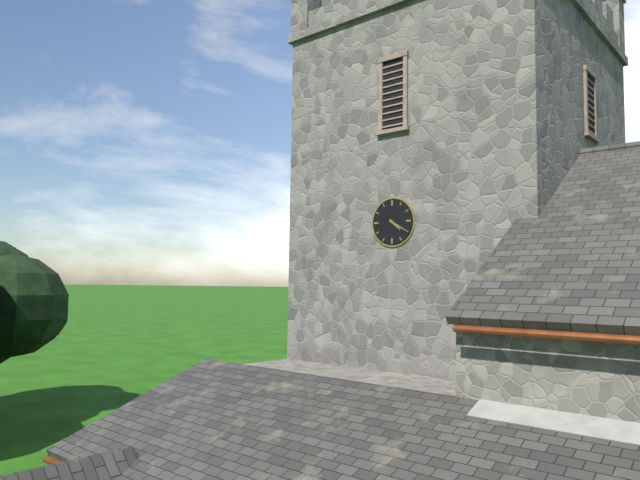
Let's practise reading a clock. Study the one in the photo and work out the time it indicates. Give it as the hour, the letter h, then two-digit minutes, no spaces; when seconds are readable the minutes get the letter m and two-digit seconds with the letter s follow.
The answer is 4h20
